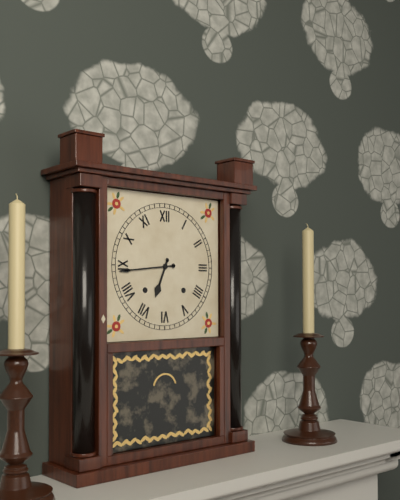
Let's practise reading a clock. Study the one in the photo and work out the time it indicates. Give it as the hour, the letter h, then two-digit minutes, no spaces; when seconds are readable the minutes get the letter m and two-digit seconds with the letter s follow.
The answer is 6h44
